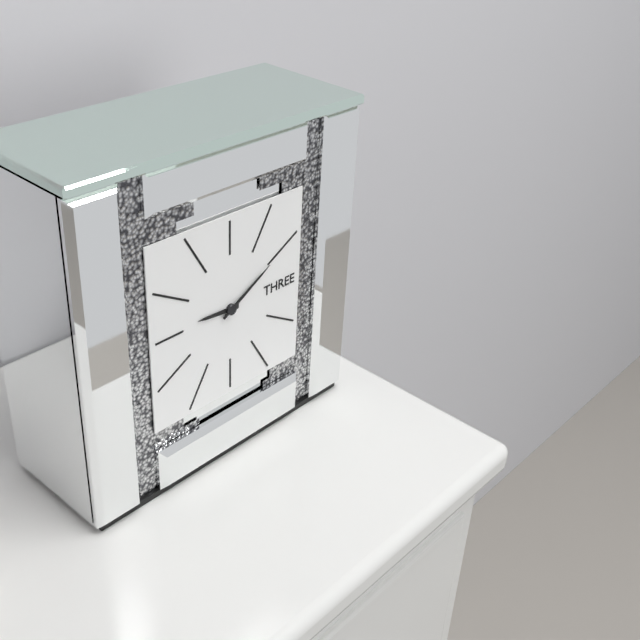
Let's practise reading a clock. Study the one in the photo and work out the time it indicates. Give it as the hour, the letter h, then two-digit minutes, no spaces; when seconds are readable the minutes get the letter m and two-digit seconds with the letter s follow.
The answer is 9h10
